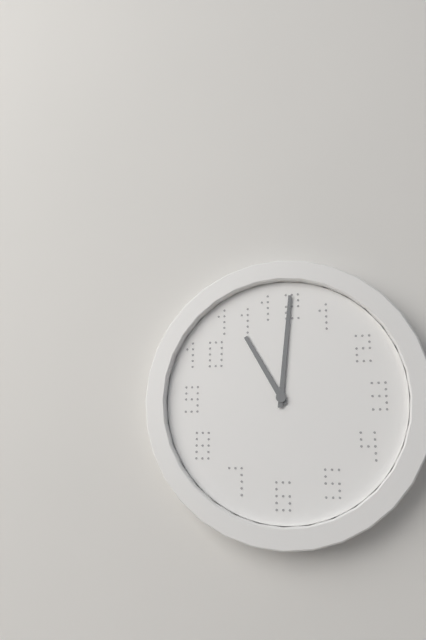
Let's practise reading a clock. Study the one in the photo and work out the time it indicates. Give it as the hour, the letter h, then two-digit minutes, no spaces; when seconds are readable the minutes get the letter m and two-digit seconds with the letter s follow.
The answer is 11h01
